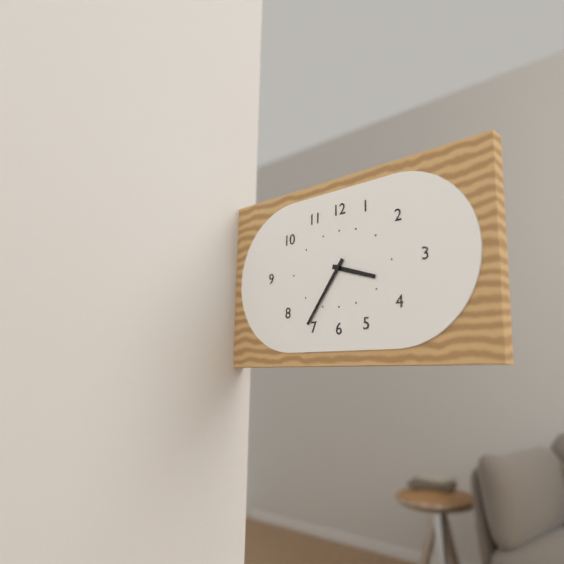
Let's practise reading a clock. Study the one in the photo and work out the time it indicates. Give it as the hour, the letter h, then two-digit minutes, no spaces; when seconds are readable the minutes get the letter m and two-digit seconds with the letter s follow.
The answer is 3h36
